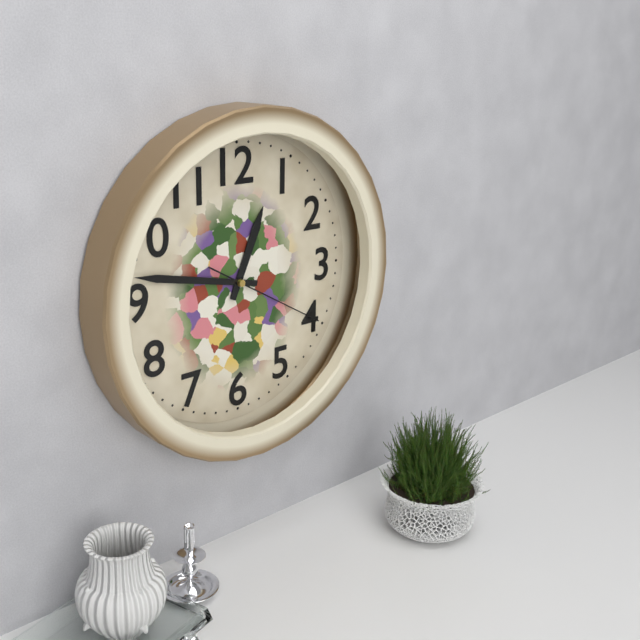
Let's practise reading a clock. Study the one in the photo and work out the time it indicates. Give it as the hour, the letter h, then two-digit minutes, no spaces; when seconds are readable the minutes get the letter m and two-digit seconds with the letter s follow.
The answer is 12h47m20s
